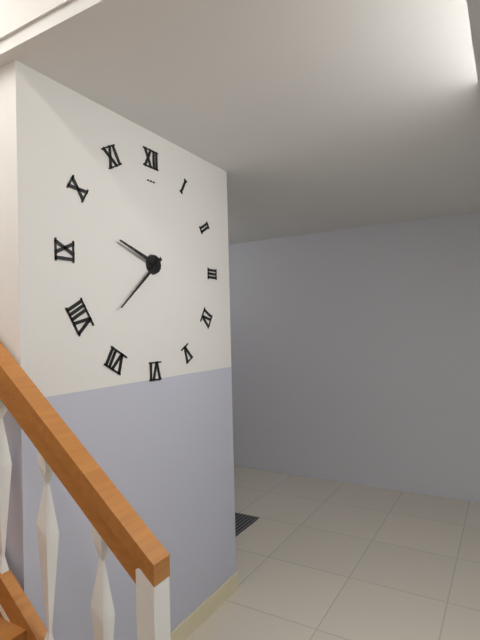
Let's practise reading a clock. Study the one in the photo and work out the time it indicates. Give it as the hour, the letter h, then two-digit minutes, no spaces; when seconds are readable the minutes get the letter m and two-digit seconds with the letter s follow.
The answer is 9h38
